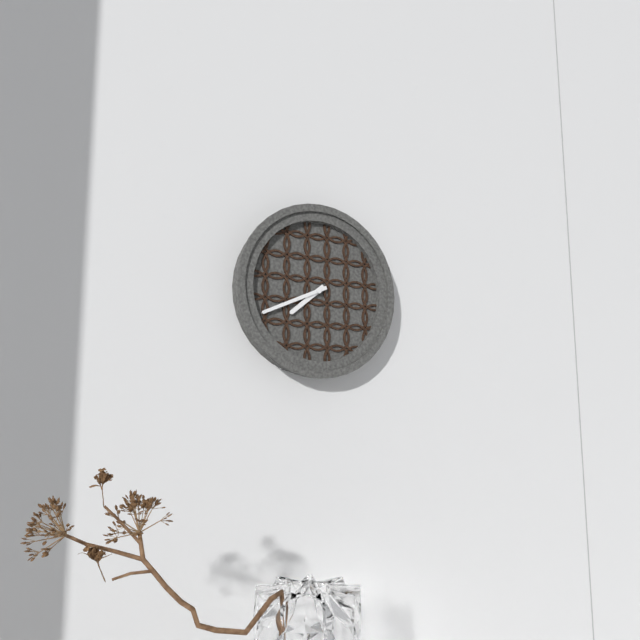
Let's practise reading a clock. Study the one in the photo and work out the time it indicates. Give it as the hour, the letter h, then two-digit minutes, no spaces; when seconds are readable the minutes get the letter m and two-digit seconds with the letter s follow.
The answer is 7h41
